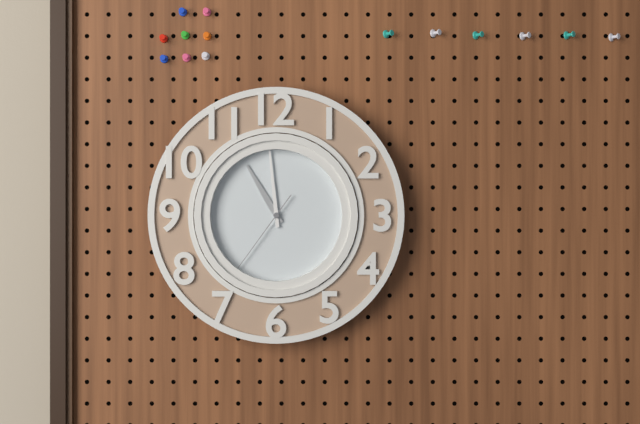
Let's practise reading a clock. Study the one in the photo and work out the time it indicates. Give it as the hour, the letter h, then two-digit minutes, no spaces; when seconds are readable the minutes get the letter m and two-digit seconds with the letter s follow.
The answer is 10h59m36s
